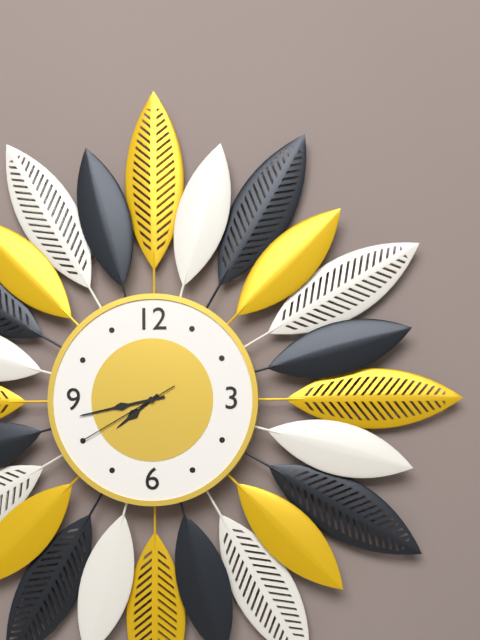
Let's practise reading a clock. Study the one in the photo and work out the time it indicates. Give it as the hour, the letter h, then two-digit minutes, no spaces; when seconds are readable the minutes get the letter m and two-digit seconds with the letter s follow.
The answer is 7h43m40s
